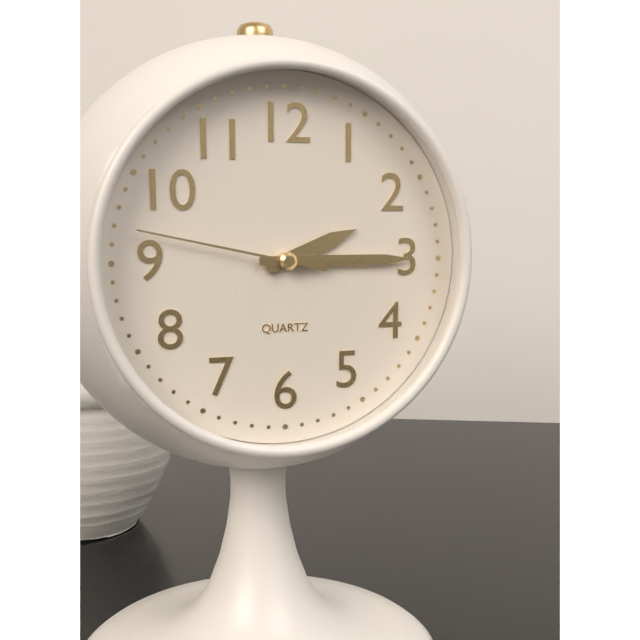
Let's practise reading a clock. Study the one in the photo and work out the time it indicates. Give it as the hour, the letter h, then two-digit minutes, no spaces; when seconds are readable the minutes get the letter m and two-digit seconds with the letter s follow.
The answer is 2h15m47s
